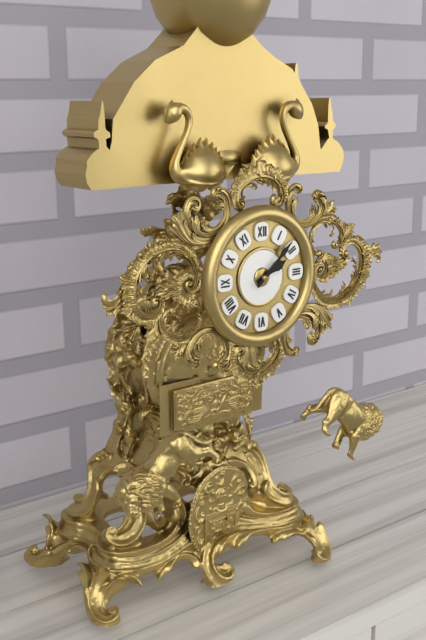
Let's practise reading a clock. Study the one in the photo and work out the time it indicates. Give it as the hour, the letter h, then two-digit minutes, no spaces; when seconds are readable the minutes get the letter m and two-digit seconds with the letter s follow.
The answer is 2h08
